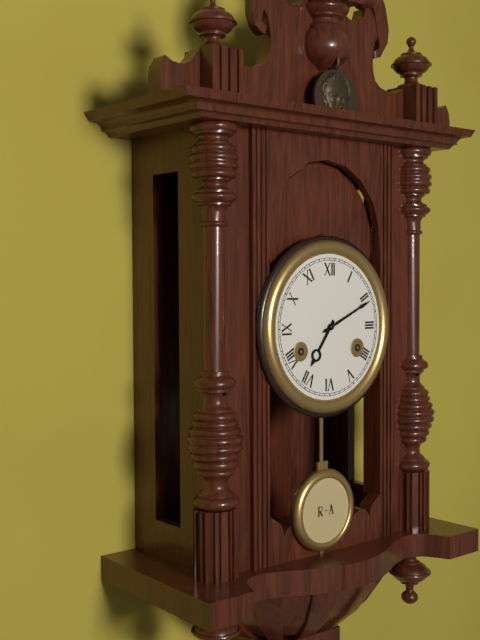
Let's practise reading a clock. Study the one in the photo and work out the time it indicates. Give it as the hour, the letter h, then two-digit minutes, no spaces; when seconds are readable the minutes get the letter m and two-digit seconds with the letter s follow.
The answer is 7h11
